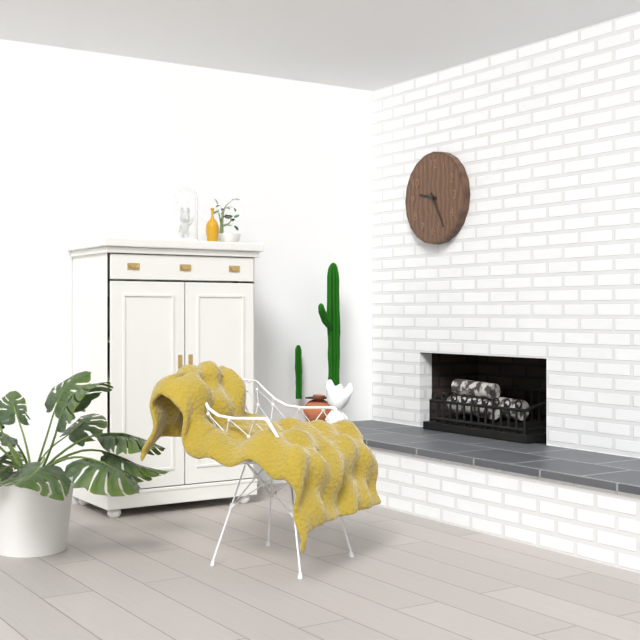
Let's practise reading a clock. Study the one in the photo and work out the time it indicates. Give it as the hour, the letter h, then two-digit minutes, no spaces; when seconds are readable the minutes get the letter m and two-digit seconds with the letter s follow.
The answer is 9h25
